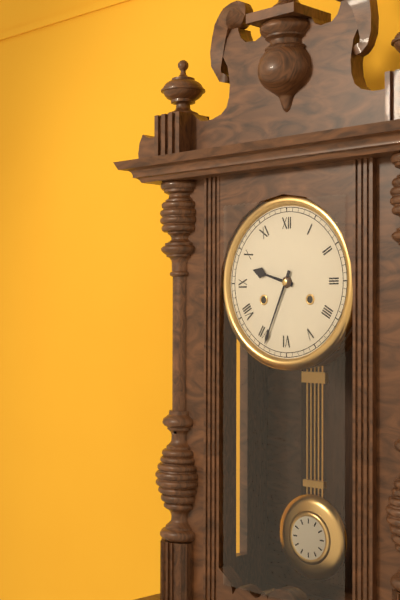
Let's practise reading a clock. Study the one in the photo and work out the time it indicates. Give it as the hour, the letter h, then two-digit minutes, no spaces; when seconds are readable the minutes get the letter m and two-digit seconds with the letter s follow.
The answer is 9h34
